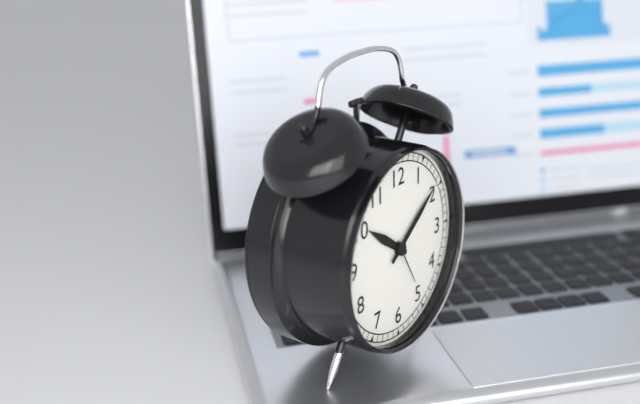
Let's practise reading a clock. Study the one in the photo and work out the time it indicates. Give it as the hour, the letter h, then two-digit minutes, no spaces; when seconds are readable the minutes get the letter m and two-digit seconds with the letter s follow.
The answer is 10h09
